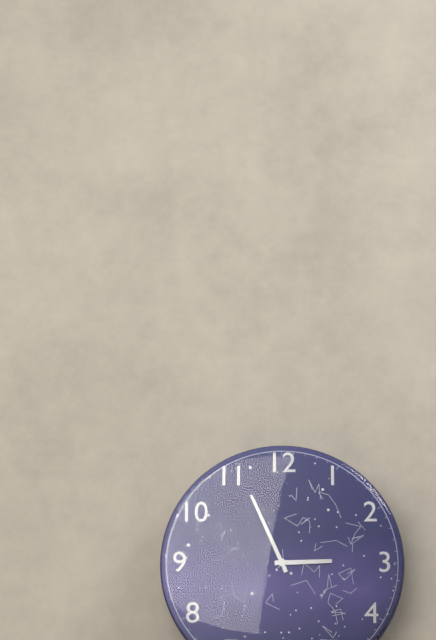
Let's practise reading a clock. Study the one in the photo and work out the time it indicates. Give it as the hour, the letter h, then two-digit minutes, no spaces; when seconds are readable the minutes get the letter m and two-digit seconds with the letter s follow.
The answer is 2h56
